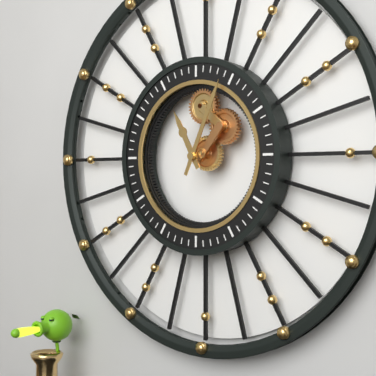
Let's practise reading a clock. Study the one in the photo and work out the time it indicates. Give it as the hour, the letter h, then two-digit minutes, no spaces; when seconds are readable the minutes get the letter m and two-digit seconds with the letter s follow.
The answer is 11h04
